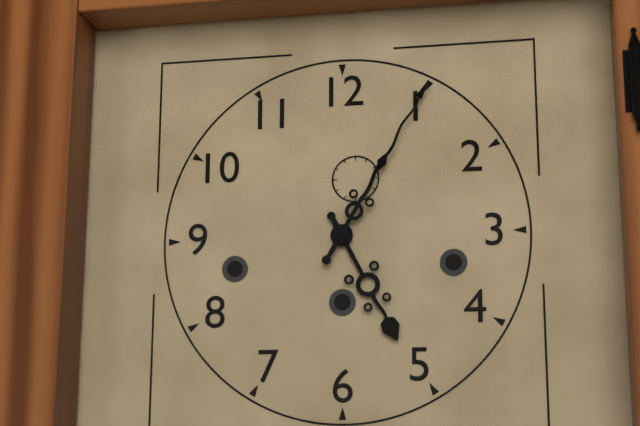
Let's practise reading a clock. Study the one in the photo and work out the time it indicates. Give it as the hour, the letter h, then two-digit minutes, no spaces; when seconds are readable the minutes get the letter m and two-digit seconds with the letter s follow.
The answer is 5h05
